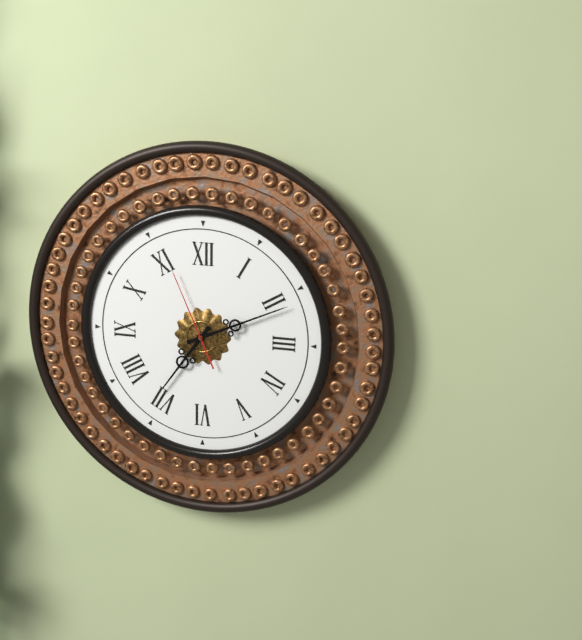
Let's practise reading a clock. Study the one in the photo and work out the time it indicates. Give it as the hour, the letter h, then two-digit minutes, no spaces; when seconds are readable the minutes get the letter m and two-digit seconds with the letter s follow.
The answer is 7h11m56s
